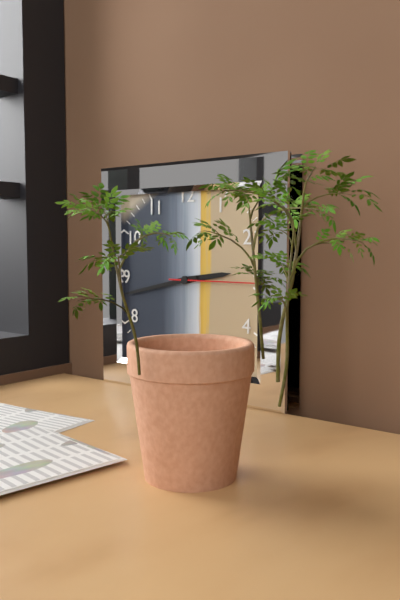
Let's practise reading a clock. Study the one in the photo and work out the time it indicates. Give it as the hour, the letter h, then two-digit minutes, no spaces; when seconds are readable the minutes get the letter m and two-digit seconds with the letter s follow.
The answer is 2h43m15s
